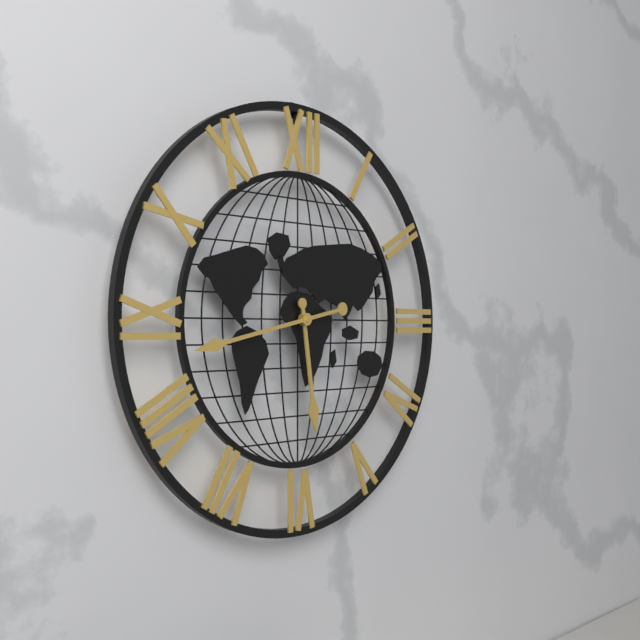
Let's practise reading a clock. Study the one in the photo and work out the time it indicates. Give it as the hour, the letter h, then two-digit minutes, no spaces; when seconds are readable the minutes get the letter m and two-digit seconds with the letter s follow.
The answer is 5h43
